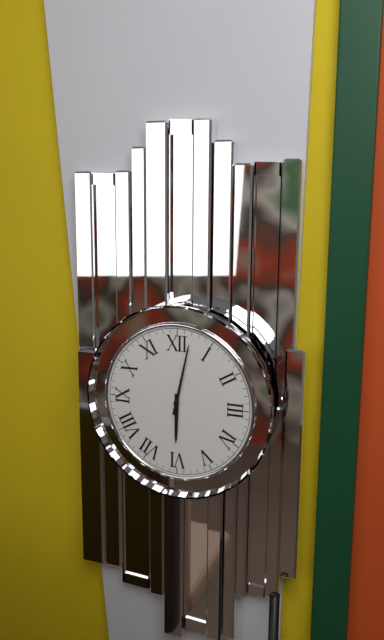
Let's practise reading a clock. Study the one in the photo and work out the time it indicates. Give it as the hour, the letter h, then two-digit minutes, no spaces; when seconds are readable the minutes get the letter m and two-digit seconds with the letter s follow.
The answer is 6h02
